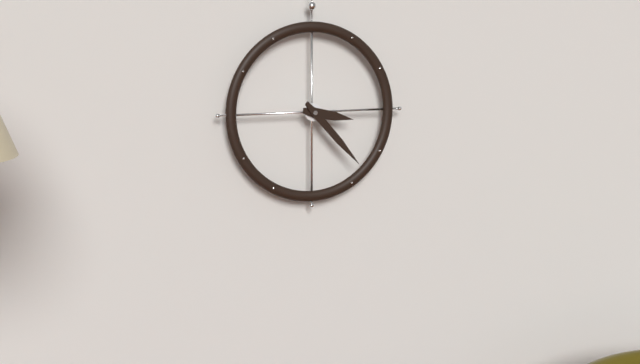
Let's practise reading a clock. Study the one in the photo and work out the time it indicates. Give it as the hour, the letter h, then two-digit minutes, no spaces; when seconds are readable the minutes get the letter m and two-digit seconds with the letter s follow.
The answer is 3h23
